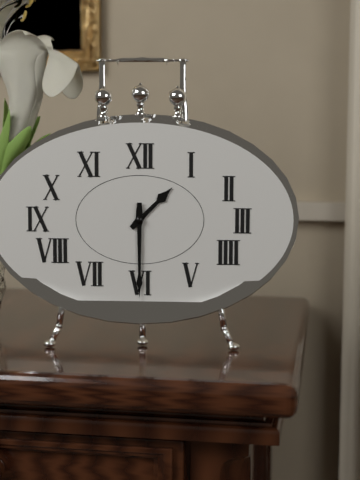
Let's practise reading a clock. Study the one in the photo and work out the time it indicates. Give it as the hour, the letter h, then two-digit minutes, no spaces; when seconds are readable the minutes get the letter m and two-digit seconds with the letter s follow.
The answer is 1h30
